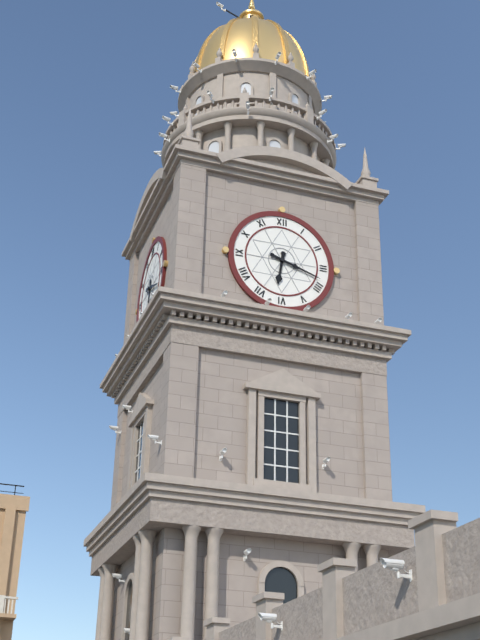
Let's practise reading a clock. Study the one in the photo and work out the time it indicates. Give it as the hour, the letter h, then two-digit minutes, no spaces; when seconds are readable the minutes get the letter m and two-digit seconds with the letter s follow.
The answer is 6h18
